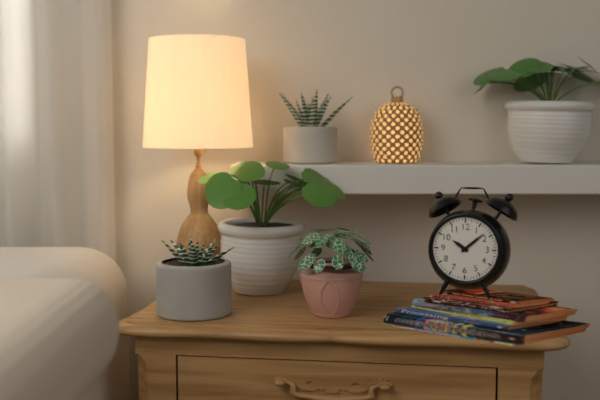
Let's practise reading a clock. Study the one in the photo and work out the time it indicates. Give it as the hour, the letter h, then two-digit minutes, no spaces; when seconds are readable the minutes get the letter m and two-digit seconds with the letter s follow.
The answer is 10h08
